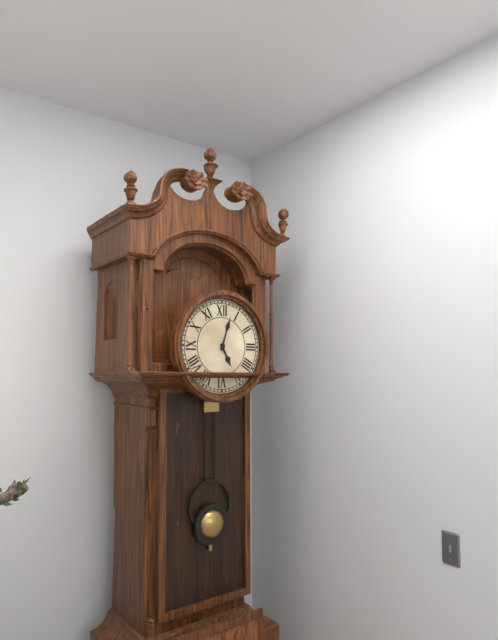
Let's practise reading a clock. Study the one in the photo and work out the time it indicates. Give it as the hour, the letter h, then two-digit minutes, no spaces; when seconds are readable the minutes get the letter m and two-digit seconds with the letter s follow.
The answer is 5h03
